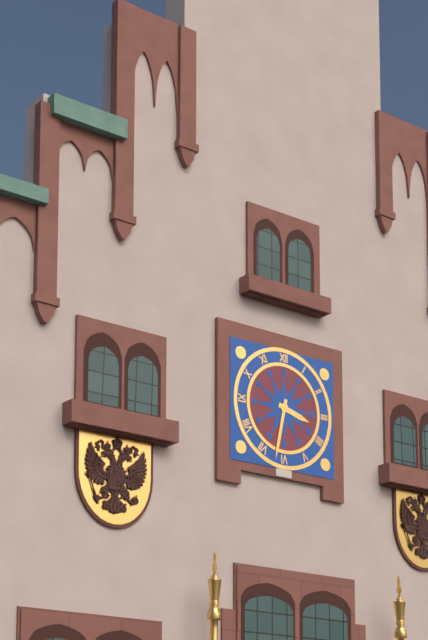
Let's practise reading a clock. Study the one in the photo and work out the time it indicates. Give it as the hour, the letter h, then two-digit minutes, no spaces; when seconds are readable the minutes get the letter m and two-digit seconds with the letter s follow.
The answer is 3h32
